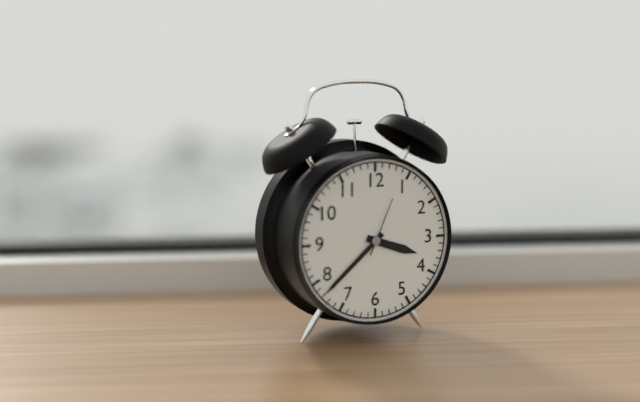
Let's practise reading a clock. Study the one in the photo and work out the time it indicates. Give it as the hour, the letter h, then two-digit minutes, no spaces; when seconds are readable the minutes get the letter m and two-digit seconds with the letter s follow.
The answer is 3h38m04s
